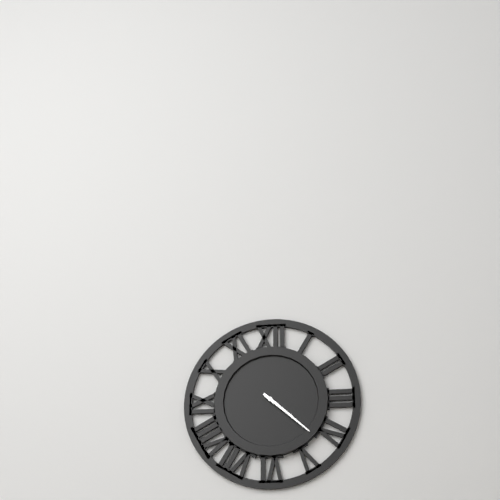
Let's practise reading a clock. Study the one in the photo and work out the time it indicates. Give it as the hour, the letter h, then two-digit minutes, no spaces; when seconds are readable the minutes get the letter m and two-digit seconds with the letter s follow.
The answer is 4h22
